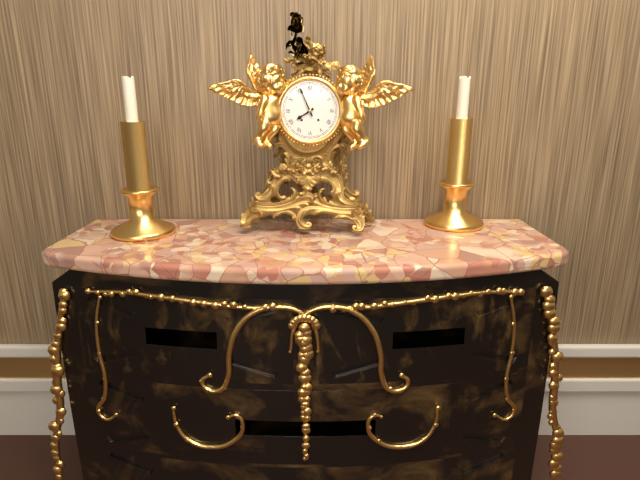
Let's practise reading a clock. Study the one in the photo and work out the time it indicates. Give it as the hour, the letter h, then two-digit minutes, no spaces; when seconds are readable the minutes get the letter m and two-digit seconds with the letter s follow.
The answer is 7h56
